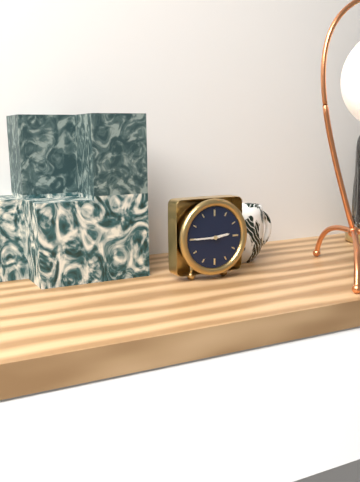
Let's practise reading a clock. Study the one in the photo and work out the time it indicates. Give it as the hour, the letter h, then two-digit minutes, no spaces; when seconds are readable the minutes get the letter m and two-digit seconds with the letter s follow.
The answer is 2h45
